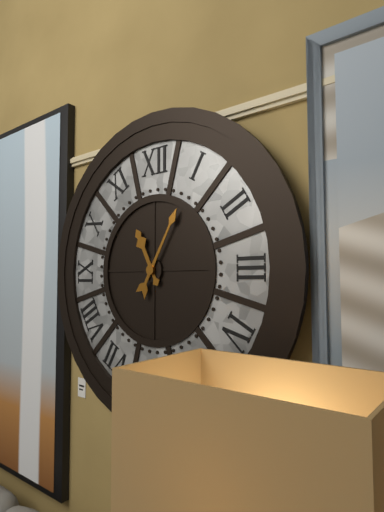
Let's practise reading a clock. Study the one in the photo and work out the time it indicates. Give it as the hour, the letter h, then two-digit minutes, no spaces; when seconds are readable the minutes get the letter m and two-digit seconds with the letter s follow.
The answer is 11h05
